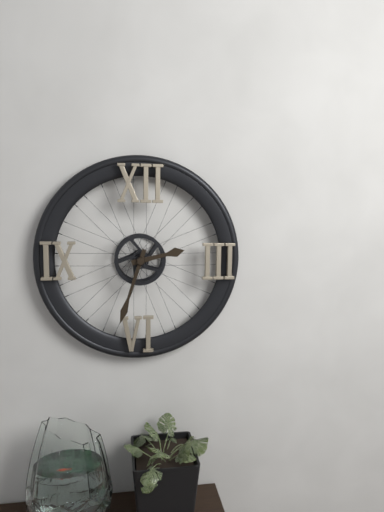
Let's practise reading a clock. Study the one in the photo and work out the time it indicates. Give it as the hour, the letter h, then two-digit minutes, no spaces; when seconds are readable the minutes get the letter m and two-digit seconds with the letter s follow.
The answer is 2h33
